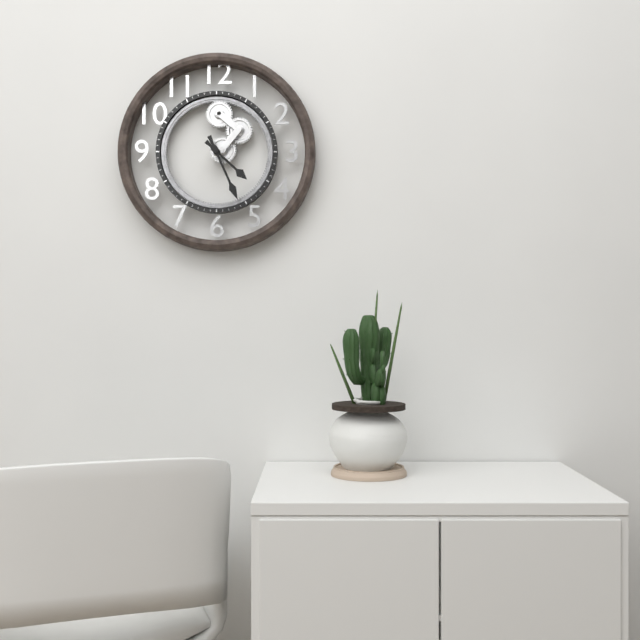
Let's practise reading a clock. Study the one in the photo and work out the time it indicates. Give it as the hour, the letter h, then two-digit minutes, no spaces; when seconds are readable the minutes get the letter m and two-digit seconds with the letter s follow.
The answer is 4h26
